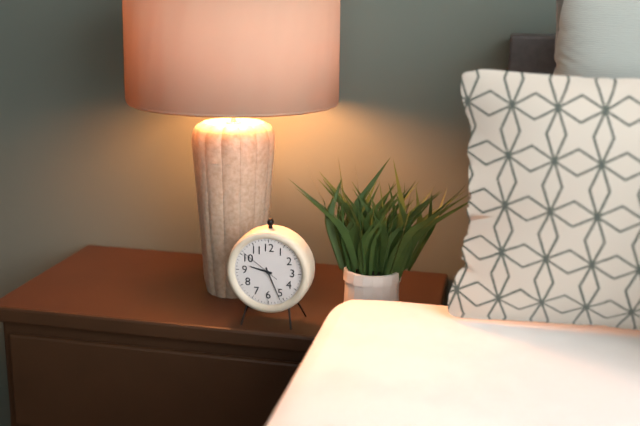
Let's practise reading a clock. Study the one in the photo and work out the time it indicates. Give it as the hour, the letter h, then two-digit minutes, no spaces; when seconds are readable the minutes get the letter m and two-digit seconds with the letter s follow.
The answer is 9h26
